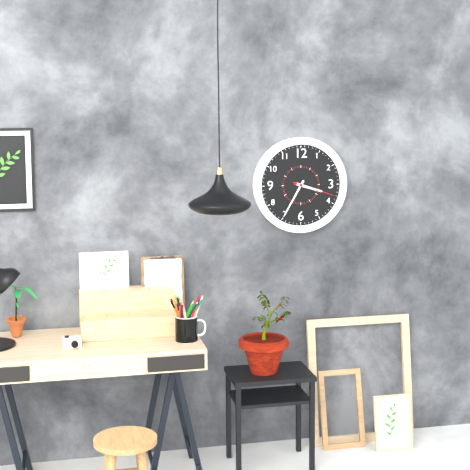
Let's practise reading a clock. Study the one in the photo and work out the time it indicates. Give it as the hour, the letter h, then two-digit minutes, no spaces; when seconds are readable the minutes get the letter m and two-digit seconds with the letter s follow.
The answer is 3h35
